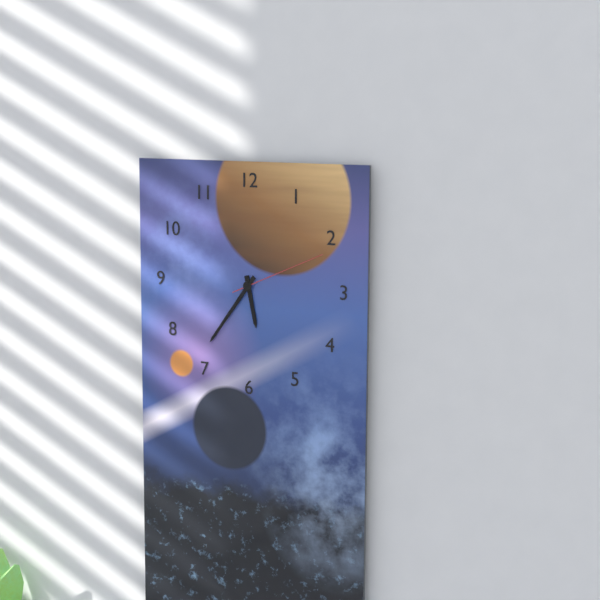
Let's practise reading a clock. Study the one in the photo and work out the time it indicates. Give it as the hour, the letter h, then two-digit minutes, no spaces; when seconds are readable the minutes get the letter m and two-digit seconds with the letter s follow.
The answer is 5h36m11s
